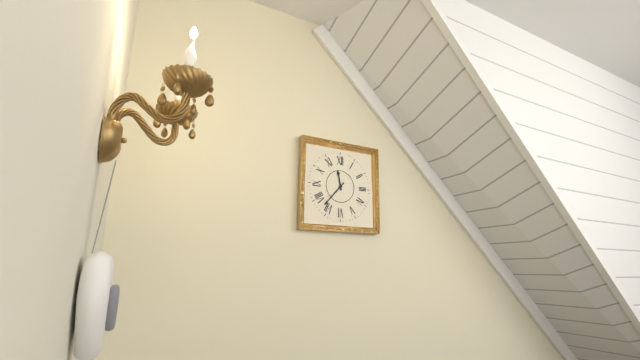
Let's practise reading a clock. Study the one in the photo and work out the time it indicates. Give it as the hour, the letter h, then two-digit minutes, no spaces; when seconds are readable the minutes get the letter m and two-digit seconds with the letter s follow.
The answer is 11h37
